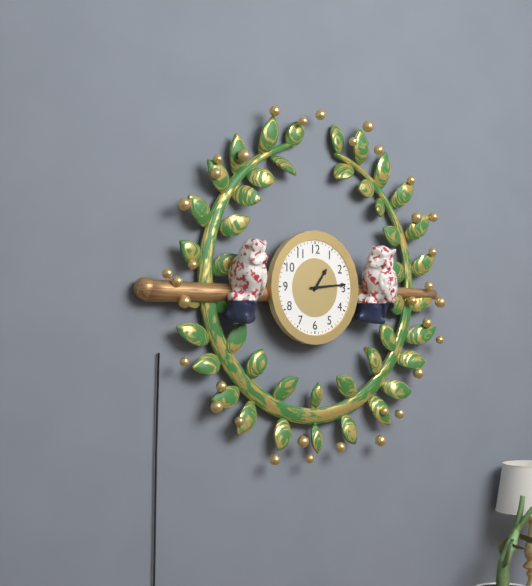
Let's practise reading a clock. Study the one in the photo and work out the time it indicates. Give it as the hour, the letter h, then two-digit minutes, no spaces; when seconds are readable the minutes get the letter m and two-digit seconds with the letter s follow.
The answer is 1h14
